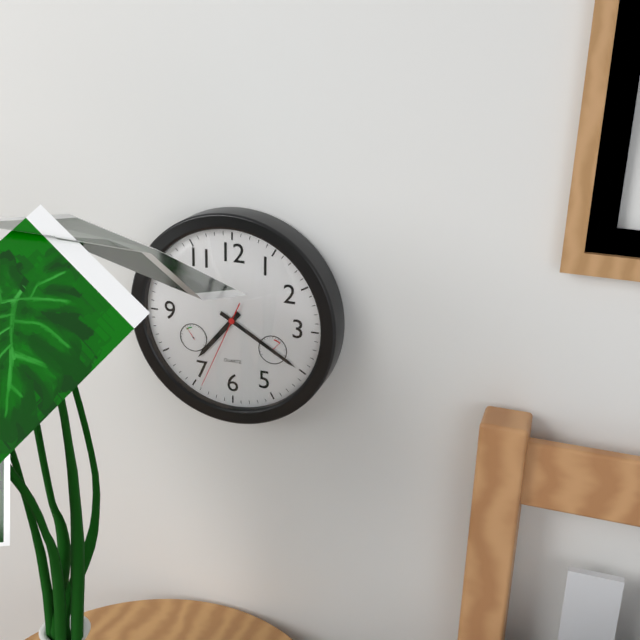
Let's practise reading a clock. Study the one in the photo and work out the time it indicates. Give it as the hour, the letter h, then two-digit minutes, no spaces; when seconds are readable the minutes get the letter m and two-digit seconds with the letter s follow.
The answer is 7h20m34s
